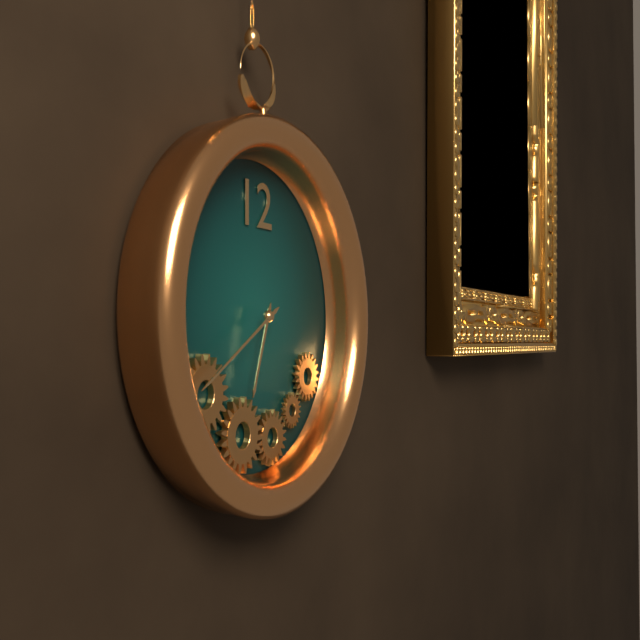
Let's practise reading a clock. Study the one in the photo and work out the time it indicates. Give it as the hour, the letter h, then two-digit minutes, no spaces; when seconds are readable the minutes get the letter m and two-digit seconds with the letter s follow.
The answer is 6h40
